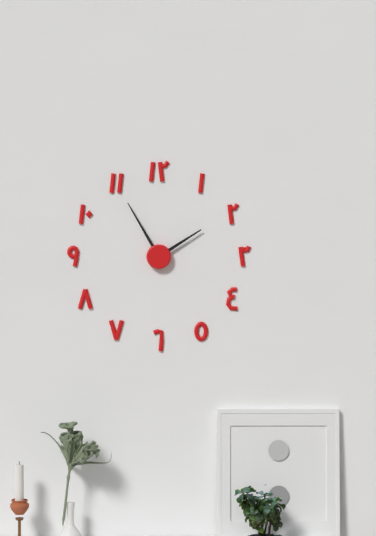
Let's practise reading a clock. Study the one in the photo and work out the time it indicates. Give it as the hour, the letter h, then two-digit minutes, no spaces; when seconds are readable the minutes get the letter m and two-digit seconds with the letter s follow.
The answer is 1h55
